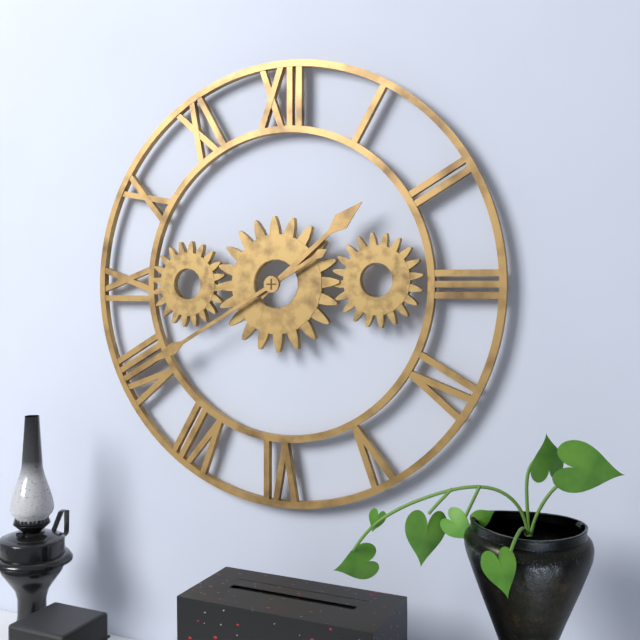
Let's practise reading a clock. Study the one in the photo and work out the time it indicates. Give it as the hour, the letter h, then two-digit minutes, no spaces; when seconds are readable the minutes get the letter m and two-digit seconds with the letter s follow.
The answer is 1h40
